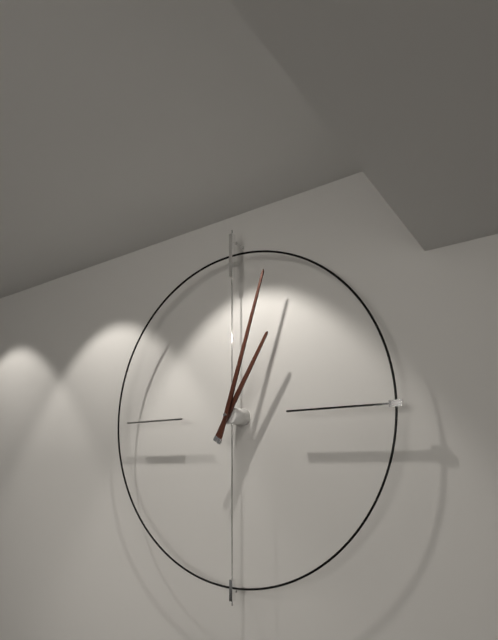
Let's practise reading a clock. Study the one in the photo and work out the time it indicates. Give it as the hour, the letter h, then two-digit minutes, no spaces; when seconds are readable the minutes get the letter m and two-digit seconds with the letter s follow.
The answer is 1h03
